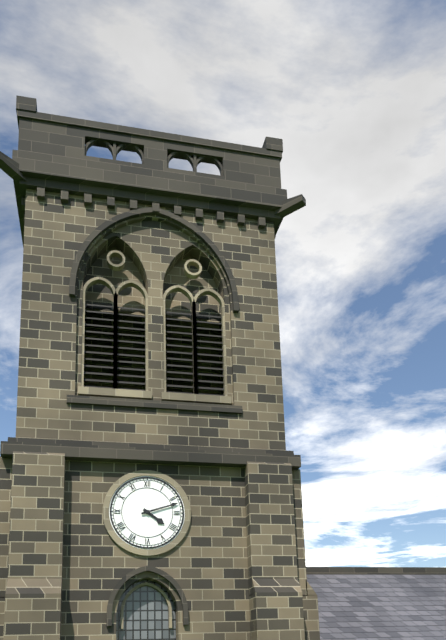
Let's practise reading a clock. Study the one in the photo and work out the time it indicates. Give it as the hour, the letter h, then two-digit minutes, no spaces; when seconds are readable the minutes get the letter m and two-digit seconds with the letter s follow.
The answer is 4h12
